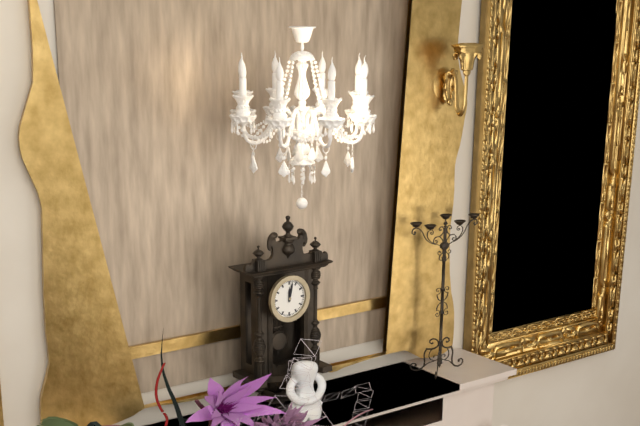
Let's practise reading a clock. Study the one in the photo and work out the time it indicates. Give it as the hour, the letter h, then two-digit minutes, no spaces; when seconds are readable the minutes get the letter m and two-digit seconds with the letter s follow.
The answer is 12h02
